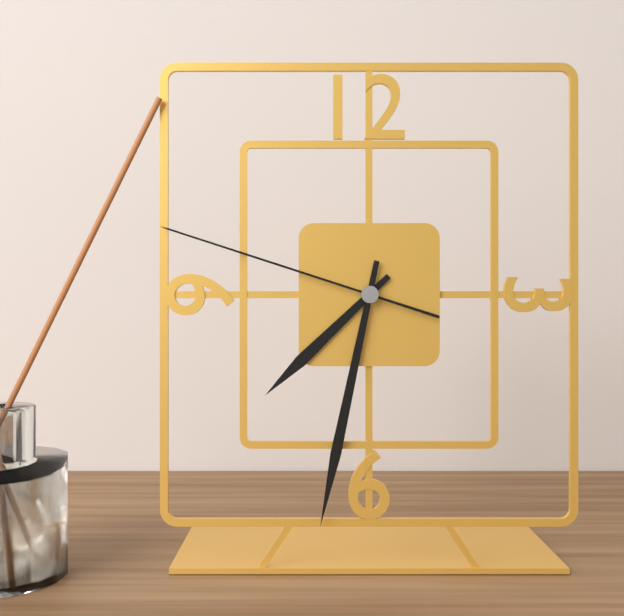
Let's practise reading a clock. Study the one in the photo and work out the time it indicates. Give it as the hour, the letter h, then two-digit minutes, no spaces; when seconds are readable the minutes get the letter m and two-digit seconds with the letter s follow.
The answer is 7h32m48s
